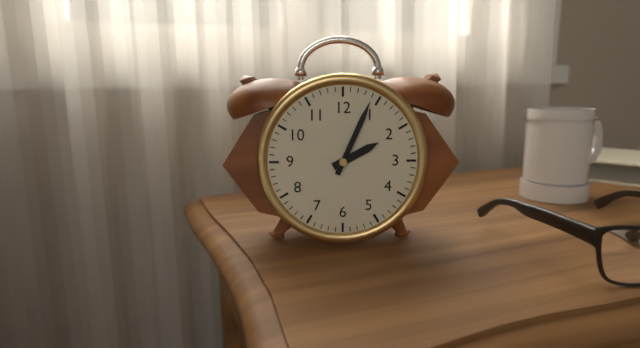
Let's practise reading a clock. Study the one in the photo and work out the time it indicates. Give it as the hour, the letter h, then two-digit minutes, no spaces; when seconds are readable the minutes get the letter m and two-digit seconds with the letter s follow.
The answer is 2h04
